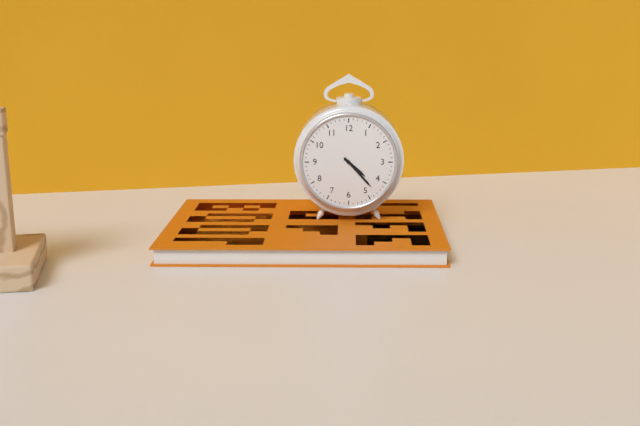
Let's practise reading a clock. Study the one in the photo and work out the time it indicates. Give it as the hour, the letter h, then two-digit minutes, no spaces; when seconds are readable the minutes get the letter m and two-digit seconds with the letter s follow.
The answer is 4h23
